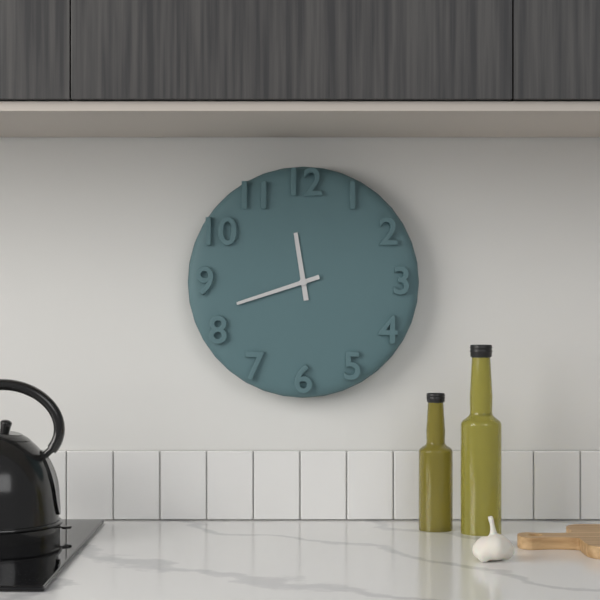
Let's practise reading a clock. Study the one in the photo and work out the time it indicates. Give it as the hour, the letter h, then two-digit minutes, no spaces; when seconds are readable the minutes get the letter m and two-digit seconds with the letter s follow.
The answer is 11h42
